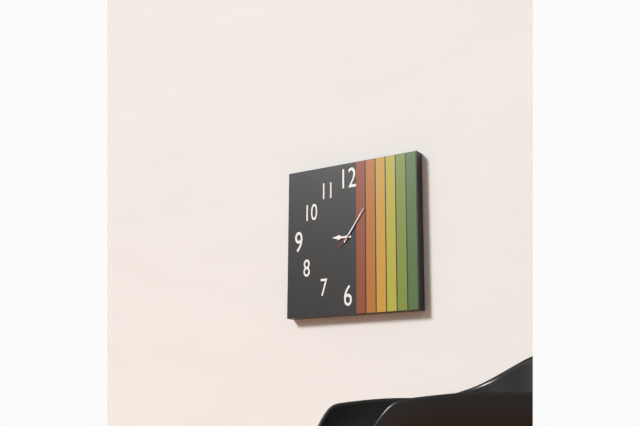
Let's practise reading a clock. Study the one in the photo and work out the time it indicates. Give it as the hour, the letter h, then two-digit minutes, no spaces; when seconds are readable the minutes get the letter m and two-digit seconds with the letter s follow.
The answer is 9h06
